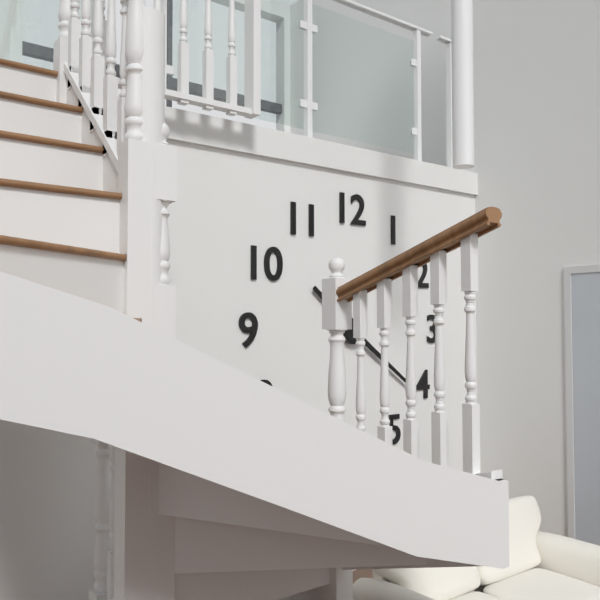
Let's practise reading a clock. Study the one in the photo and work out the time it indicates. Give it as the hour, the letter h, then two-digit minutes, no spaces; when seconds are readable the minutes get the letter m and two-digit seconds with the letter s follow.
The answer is 10h21
